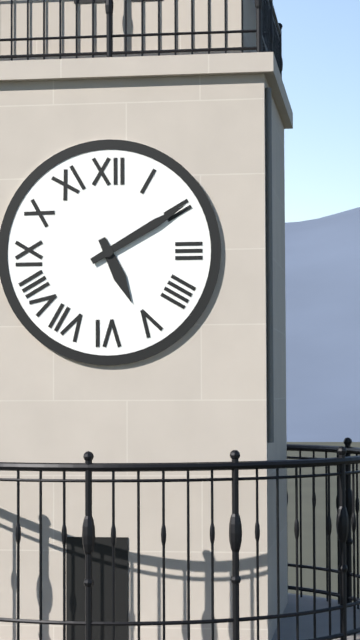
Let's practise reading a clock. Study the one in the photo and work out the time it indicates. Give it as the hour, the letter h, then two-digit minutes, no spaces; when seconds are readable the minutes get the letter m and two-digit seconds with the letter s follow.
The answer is 5h10
